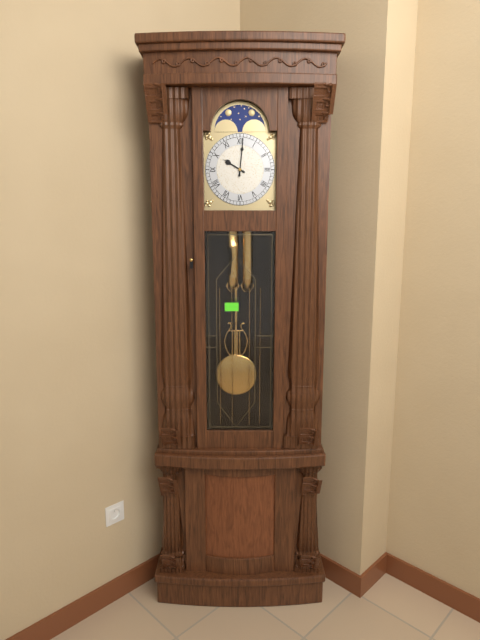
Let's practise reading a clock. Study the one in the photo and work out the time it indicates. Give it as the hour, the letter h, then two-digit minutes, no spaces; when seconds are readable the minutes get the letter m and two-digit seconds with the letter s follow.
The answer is 10h01
